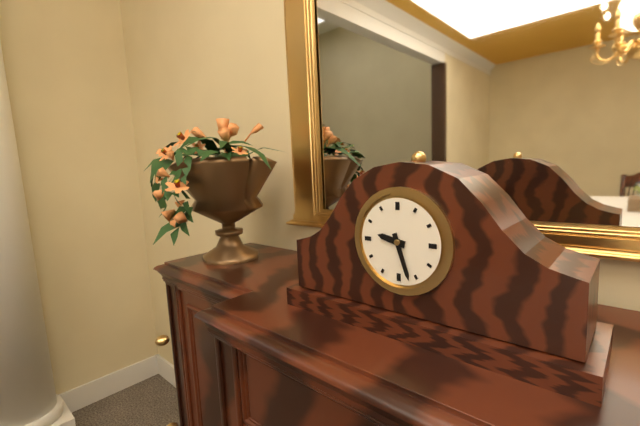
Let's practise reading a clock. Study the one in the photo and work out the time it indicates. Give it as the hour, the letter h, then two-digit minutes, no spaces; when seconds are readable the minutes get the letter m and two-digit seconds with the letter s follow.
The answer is 9h27
